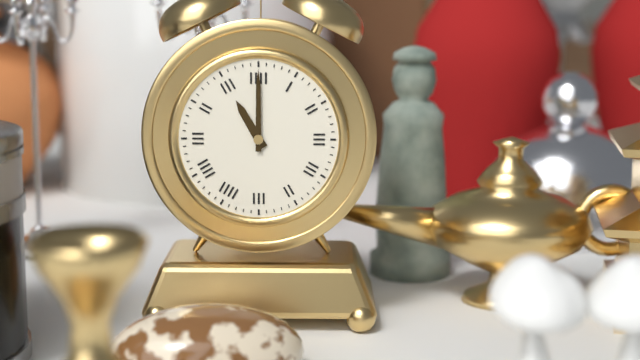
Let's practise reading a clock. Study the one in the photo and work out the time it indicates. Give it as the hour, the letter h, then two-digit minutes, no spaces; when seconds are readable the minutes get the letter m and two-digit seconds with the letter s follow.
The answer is 11h00
